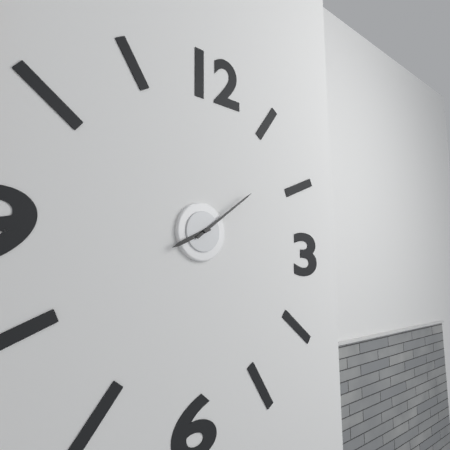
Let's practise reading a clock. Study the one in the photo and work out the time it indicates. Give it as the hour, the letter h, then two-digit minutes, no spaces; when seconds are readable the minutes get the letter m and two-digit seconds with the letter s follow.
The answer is 8h09
